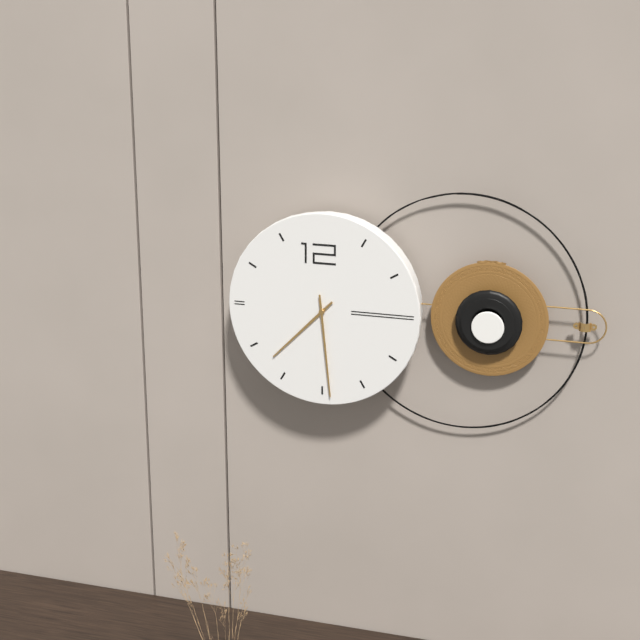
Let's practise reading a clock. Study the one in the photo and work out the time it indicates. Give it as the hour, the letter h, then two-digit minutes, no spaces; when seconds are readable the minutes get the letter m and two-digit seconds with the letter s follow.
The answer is 7h29
